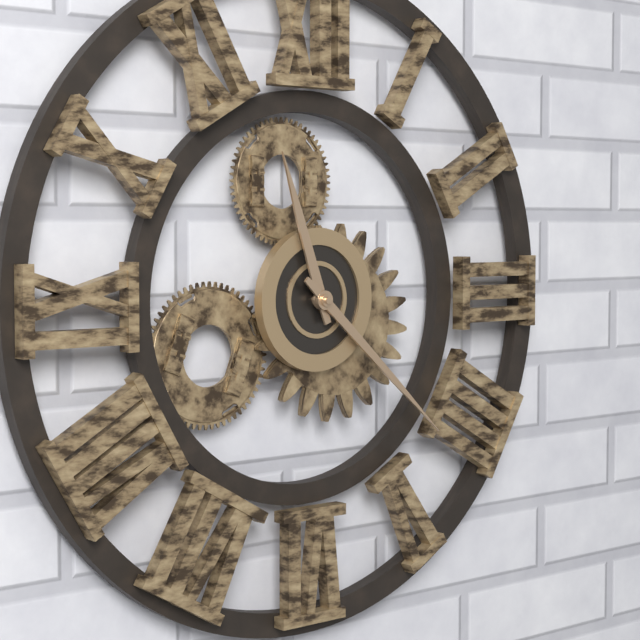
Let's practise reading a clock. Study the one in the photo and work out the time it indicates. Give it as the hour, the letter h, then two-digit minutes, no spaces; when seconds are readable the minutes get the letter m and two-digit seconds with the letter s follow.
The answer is 11h22
